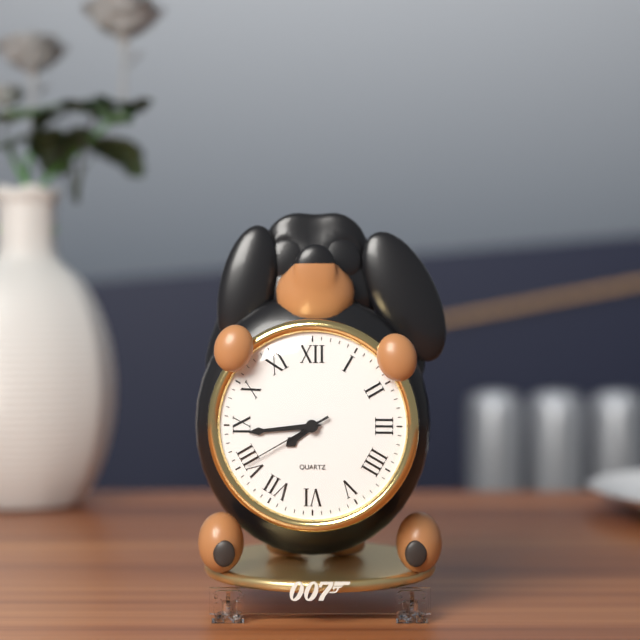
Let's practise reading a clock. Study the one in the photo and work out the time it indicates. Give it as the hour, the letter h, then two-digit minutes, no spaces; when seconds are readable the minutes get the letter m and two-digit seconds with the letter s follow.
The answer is 7h44m40s
